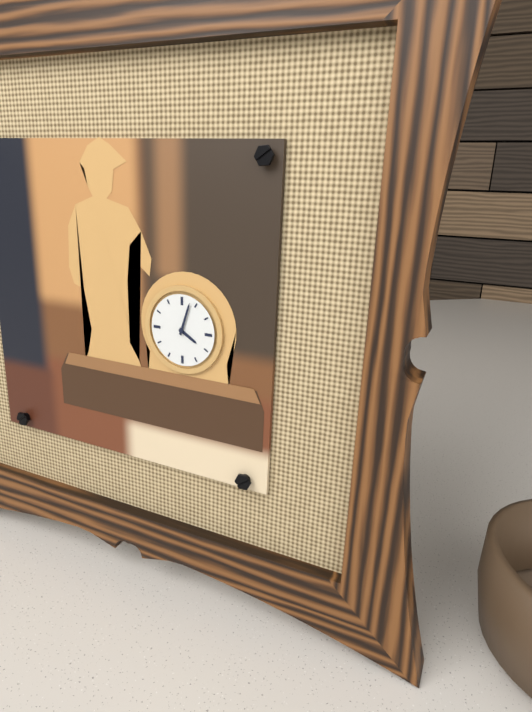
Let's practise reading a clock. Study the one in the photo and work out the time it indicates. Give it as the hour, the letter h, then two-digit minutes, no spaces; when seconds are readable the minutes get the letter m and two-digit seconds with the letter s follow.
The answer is 4h03
